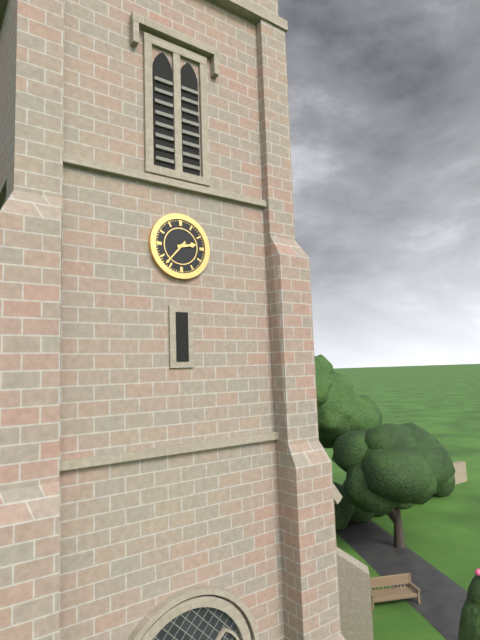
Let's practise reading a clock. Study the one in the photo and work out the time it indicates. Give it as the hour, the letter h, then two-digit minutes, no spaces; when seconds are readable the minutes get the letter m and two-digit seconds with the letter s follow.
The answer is 2h37
